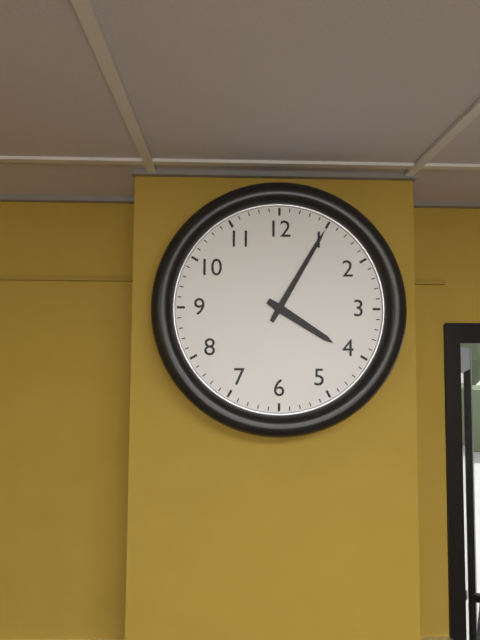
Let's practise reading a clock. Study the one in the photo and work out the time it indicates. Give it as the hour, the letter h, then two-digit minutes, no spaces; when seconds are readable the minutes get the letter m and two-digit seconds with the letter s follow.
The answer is 4h05
